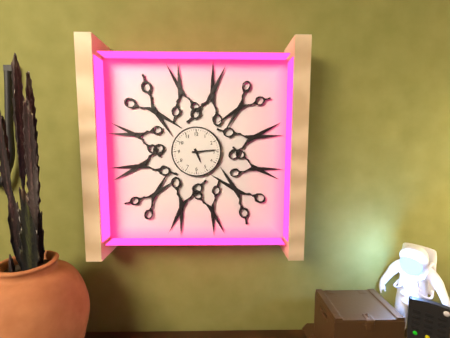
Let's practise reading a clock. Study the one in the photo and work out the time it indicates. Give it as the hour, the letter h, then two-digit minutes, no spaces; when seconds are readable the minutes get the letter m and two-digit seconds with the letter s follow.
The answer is 5h14
